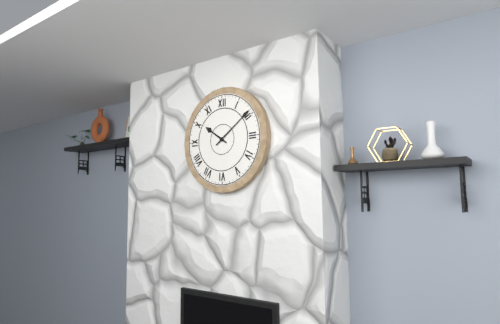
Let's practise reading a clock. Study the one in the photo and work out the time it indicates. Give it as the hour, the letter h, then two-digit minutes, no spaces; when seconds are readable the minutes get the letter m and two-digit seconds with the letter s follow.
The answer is 10h09
